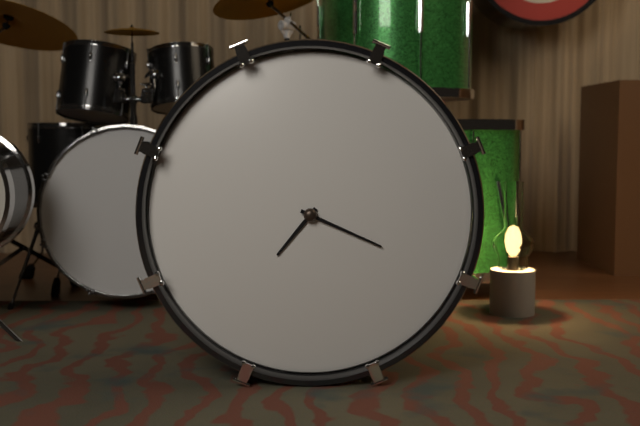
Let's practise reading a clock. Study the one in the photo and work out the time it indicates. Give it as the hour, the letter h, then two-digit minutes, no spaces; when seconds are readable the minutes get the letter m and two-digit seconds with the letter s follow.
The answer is 7h19
